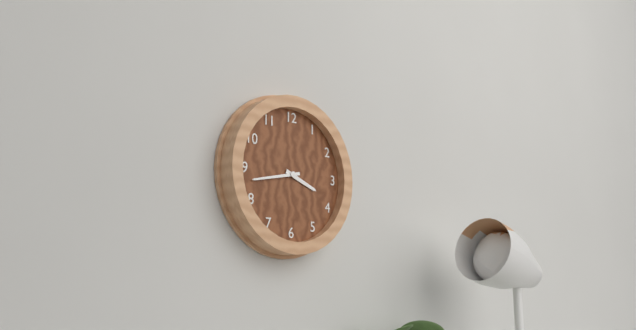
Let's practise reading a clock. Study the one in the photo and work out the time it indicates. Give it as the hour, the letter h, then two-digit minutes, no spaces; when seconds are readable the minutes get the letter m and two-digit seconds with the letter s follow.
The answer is 3h43
